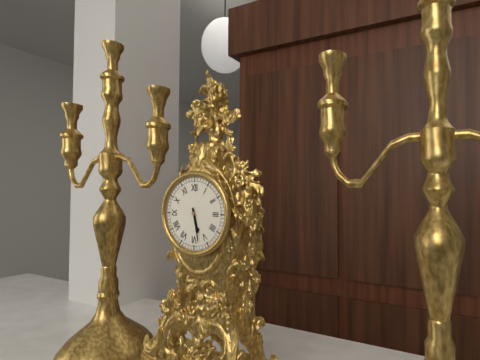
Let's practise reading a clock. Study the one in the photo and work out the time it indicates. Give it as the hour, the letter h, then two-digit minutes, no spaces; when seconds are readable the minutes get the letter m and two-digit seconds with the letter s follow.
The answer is 5h28
